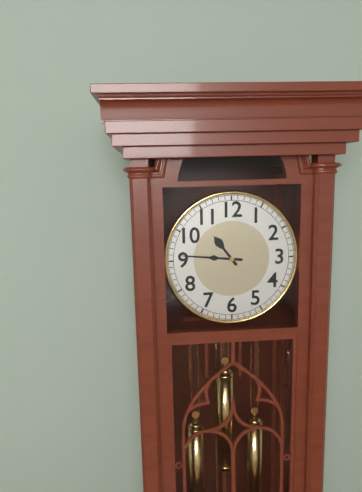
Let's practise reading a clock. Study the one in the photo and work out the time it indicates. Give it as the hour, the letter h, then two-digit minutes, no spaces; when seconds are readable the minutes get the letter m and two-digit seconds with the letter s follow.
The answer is 10h46
